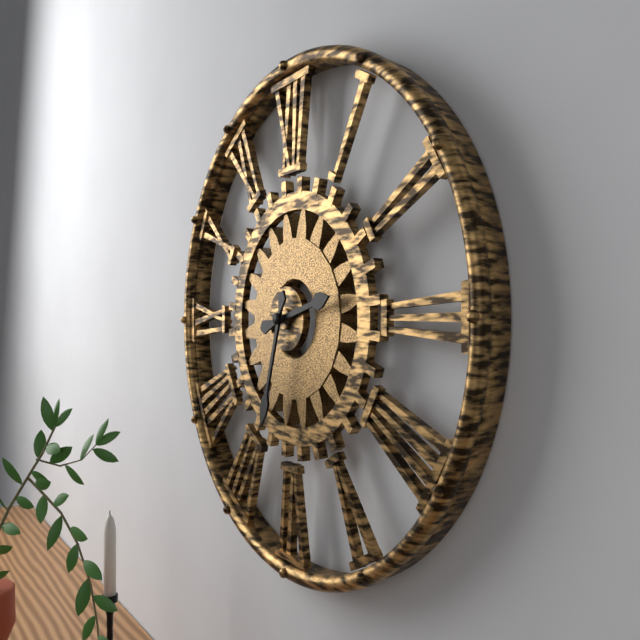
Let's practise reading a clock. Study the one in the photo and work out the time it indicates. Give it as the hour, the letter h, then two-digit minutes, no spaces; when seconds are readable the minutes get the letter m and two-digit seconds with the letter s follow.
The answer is 2h33
